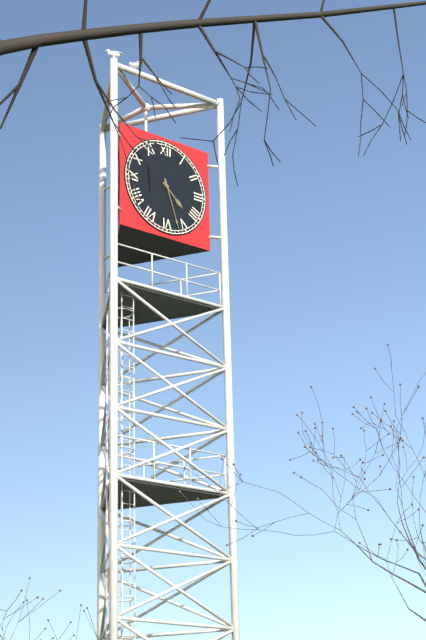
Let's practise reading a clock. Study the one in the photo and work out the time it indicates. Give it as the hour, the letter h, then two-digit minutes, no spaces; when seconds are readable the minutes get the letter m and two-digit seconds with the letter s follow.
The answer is 4h27
